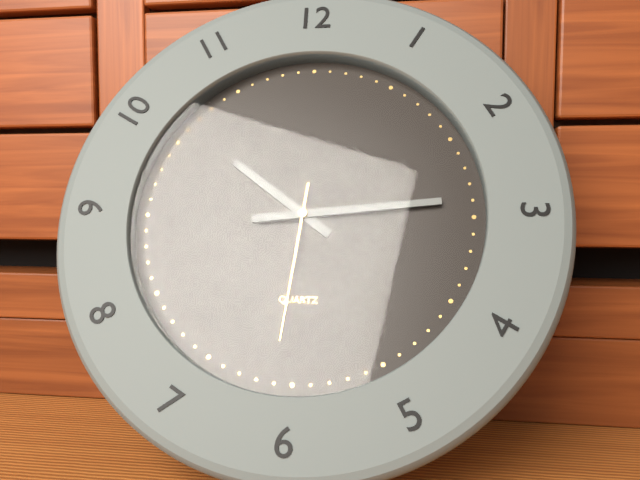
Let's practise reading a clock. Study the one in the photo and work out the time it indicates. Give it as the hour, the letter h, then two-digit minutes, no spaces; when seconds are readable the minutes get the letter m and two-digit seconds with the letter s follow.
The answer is 10h14m31s
